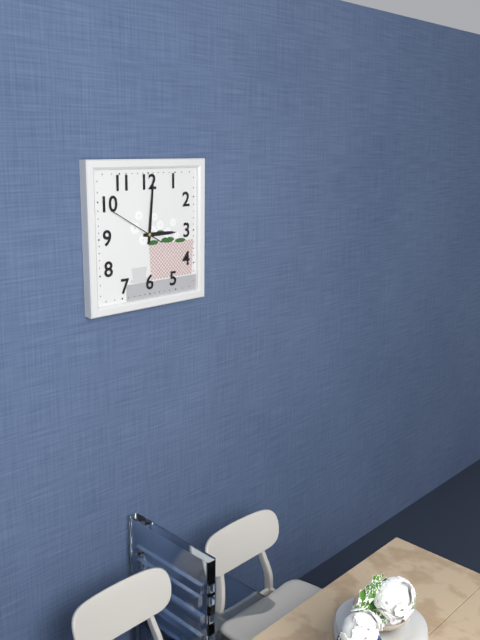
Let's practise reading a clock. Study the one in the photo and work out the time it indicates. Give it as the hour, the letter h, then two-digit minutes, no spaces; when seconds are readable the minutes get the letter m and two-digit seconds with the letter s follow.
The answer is 3h01m50s
